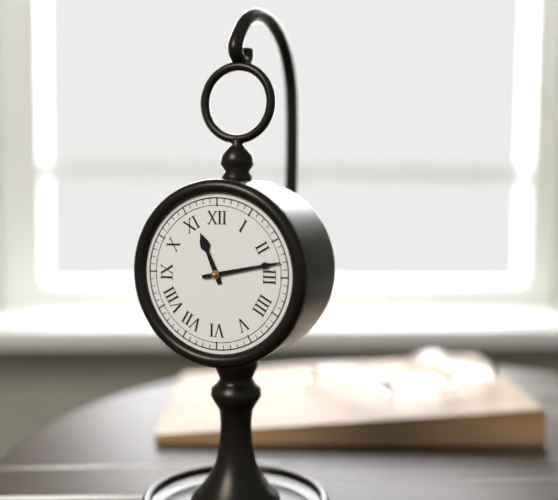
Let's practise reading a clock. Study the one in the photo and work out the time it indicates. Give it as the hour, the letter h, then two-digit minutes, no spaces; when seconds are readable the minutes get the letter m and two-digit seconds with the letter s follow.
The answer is 11h13
